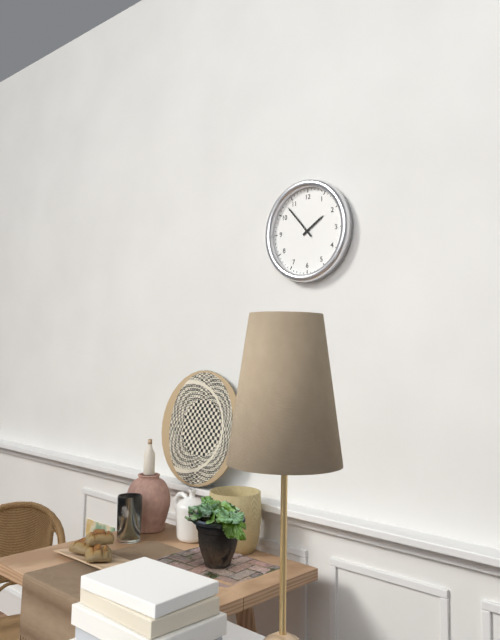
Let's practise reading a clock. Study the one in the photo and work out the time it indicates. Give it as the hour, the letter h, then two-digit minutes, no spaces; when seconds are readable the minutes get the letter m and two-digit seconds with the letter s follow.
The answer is 1h53
